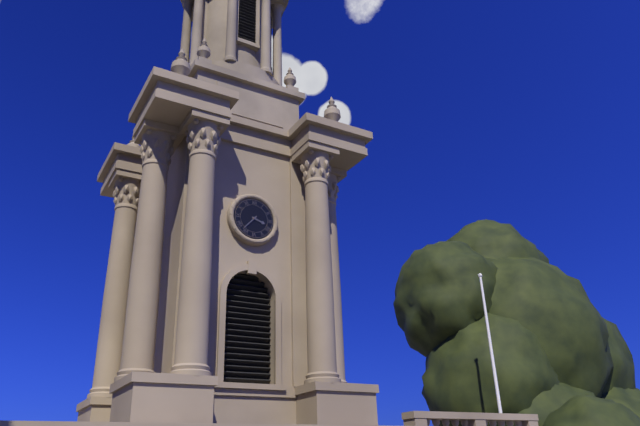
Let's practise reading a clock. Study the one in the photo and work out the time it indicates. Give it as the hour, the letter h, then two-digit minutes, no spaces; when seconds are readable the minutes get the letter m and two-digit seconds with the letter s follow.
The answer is 3h37
